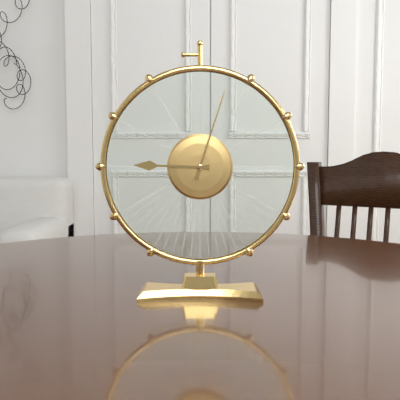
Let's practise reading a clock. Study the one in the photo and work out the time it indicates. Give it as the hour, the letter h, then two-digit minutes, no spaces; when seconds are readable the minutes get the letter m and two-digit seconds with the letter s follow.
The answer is 9h03
